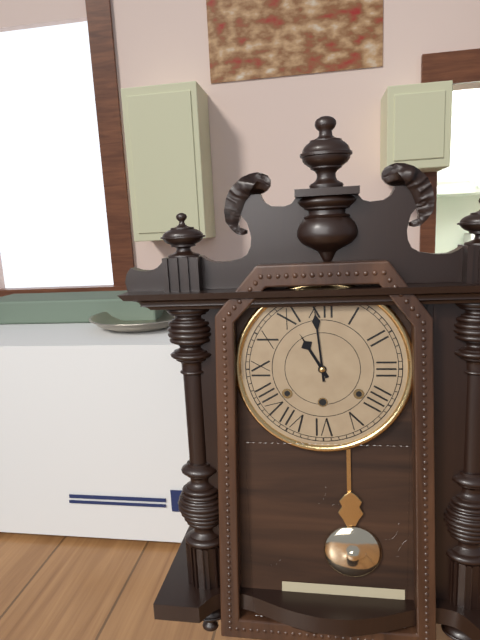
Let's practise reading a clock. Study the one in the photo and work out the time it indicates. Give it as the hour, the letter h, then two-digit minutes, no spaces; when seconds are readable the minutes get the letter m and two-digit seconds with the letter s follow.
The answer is 10h59
